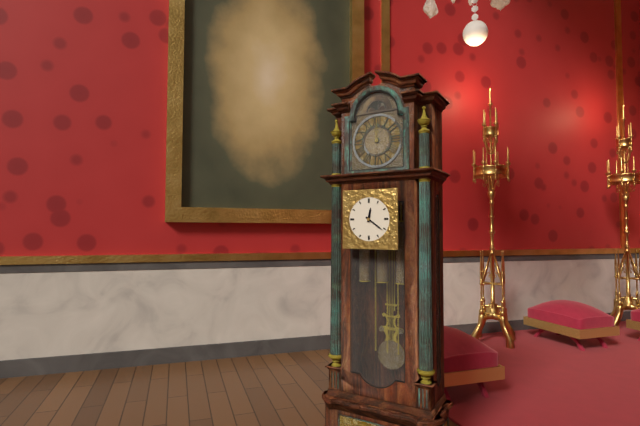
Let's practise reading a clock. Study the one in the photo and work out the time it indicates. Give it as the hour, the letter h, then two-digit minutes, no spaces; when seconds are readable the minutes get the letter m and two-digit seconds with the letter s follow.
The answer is 12h21
